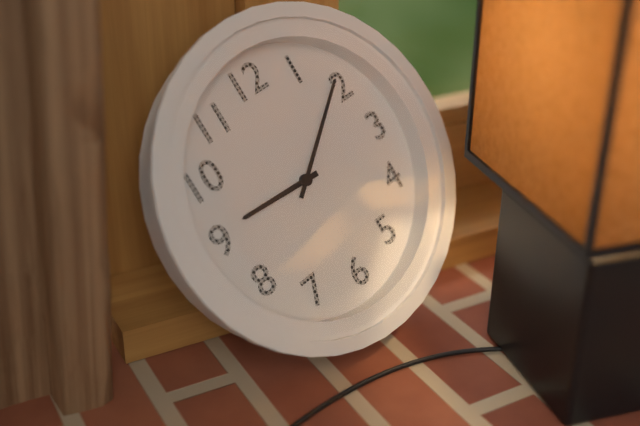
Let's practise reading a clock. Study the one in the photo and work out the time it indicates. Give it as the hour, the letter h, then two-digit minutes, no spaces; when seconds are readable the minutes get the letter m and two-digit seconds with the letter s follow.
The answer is 9h09
